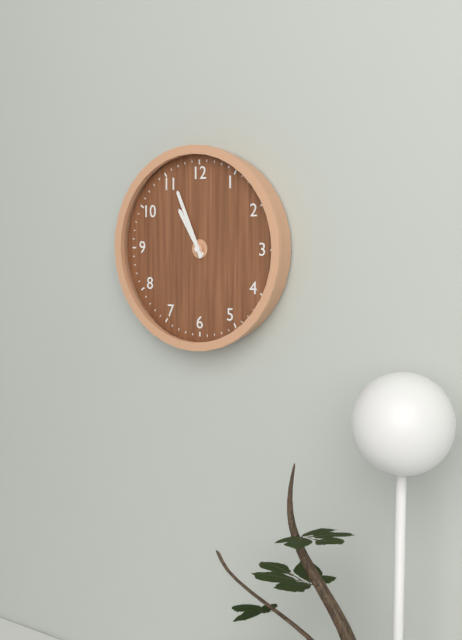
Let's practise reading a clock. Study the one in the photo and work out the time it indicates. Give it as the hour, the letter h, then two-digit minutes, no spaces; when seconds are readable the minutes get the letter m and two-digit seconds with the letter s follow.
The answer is 10h56
